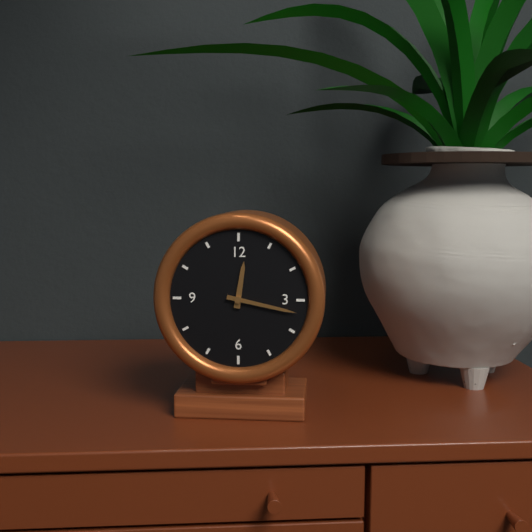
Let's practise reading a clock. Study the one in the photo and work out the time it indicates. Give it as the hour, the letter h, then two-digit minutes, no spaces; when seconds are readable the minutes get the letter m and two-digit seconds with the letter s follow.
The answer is 12h17
